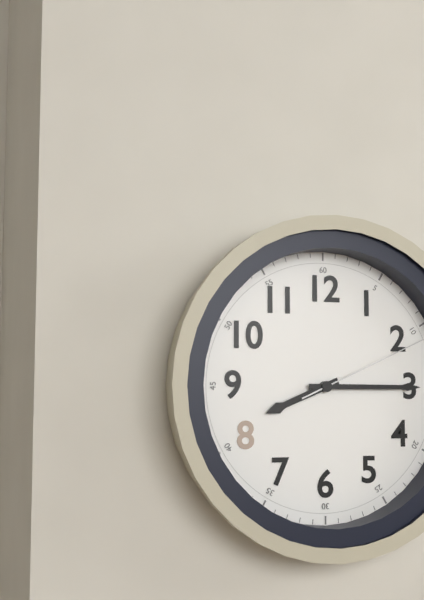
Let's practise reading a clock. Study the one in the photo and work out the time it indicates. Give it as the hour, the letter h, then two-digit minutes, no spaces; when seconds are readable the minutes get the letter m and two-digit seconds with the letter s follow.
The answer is 8h15
